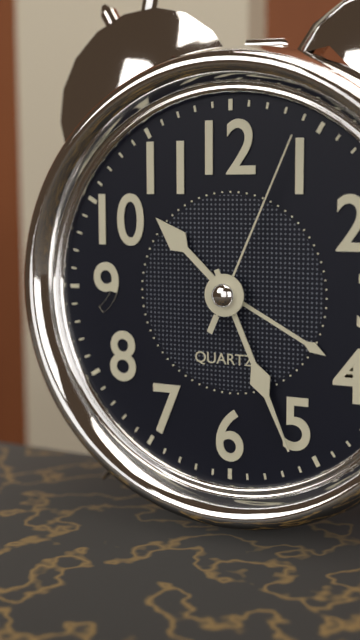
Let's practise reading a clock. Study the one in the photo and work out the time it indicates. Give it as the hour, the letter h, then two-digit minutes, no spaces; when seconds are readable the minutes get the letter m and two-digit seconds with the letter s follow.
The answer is 10h26m04s
